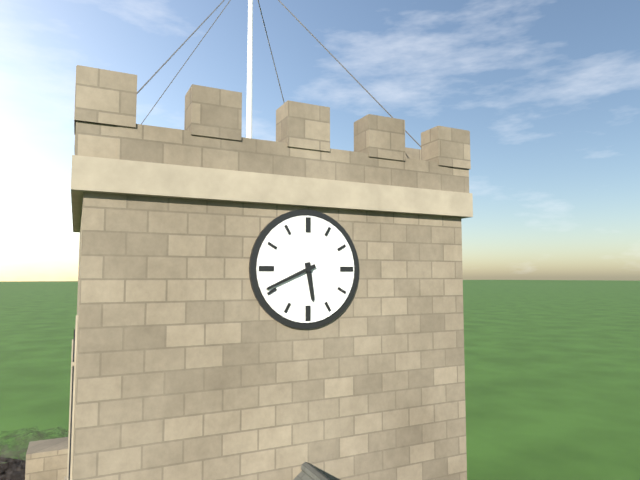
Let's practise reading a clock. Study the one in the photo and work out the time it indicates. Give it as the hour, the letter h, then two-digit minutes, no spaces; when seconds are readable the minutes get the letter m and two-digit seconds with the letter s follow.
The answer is 5h41
